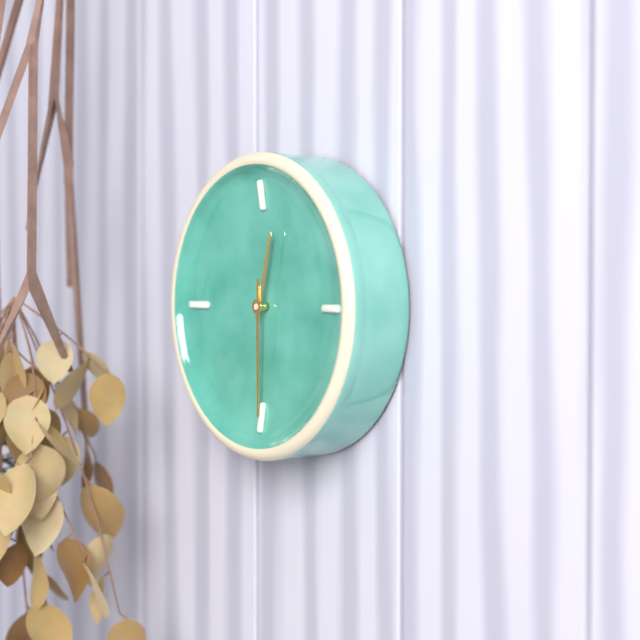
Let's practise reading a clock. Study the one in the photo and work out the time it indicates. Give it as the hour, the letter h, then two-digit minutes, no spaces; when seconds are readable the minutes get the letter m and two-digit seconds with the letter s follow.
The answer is 12h30
